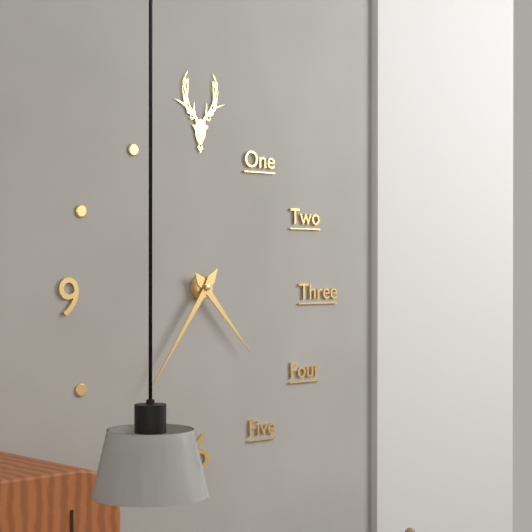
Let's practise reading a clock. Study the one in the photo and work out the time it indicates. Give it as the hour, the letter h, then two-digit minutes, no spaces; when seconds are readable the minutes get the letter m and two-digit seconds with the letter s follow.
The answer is 4h36
